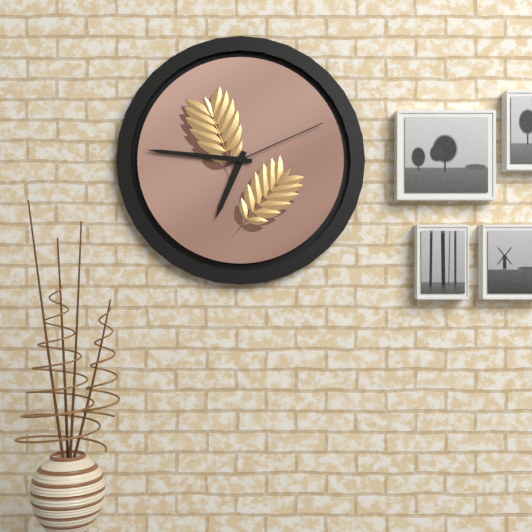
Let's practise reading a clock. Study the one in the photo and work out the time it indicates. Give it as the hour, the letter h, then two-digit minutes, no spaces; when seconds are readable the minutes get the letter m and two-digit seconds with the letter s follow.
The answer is 6h46m11s
